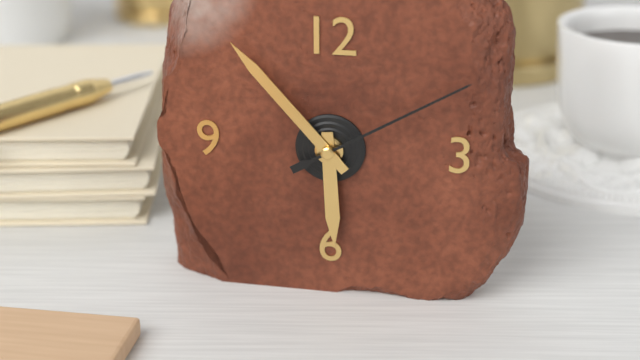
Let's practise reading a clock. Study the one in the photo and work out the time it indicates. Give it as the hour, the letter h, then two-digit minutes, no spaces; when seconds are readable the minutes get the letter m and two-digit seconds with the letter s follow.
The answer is 5h53m10s
